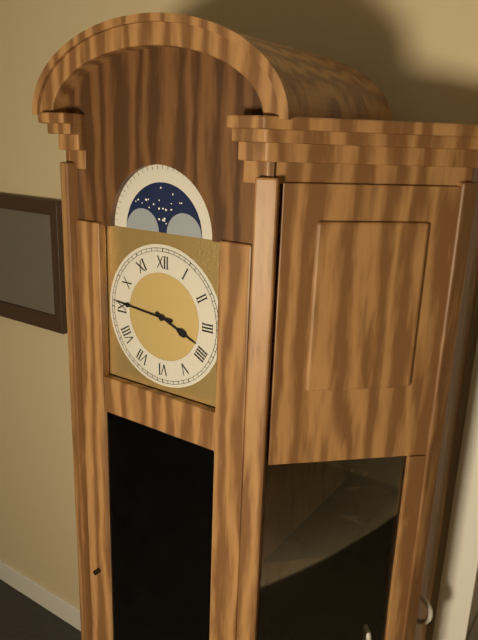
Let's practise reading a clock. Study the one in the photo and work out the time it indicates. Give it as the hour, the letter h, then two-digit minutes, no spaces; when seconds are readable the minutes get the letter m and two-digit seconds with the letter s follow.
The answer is 3h46
